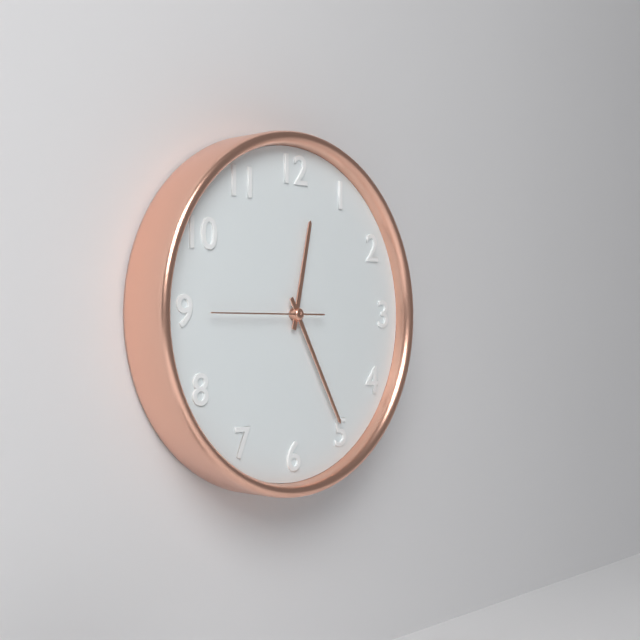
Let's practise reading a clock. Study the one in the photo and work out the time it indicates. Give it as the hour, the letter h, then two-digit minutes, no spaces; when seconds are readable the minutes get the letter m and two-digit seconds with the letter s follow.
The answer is 12h25m45s
